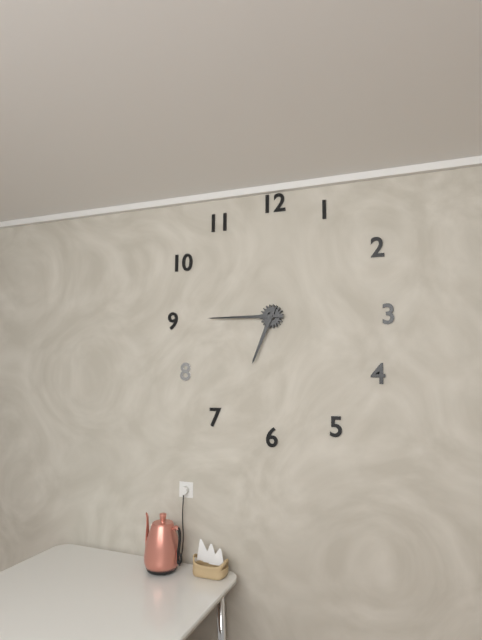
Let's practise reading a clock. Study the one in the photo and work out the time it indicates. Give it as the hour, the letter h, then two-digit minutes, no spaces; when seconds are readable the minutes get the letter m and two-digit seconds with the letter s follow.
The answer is 6h45
